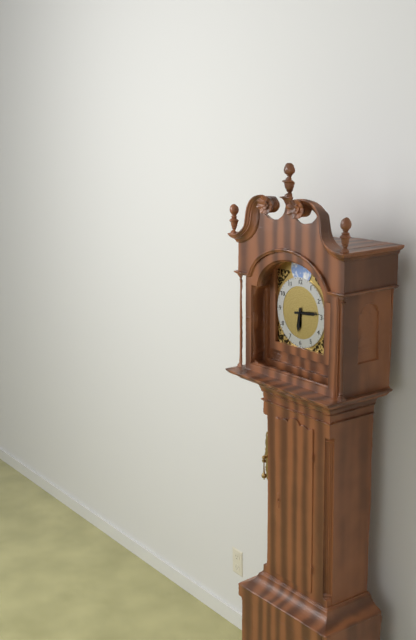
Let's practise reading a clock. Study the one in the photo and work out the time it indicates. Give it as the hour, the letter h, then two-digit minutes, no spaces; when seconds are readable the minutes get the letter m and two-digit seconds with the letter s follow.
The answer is 6h14
